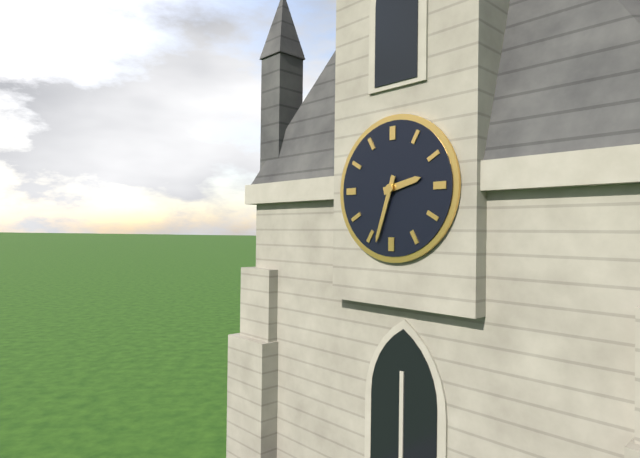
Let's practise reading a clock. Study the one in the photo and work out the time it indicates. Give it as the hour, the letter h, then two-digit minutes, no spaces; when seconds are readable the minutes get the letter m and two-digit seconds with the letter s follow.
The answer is 2h33
